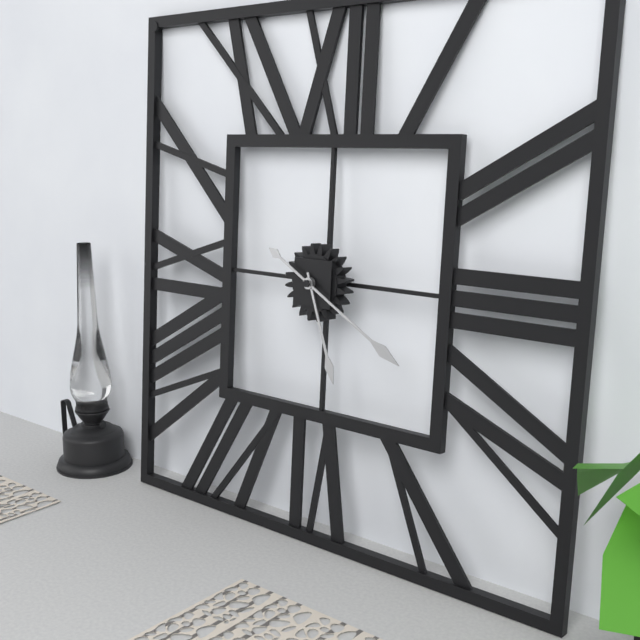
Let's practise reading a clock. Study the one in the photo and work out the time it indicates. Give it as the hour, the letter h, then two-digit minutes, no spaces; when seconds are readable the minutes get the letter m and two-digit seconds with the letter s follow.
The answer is 5h20
